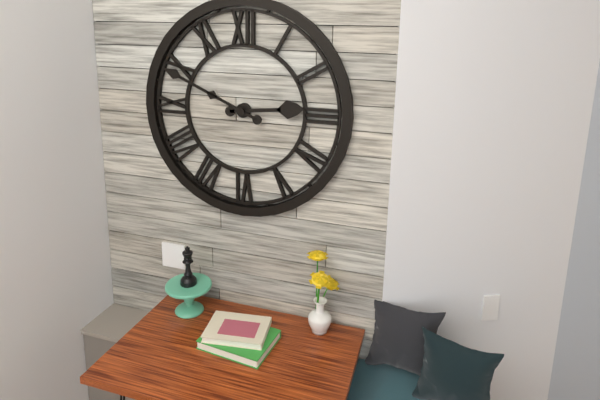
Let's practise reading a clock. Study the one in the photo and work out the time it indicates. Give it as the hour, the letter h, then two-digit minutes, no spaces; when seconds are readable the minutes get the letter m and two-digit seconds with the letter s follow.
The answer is 2h49
